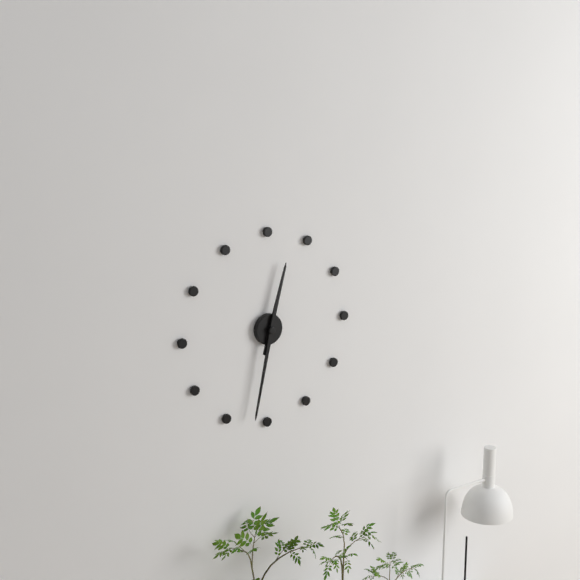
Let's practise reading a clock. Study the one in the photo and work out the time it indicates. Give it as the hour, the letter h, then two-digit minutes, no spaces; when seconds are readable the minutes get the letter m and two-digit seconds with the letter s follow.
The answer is 12h32
